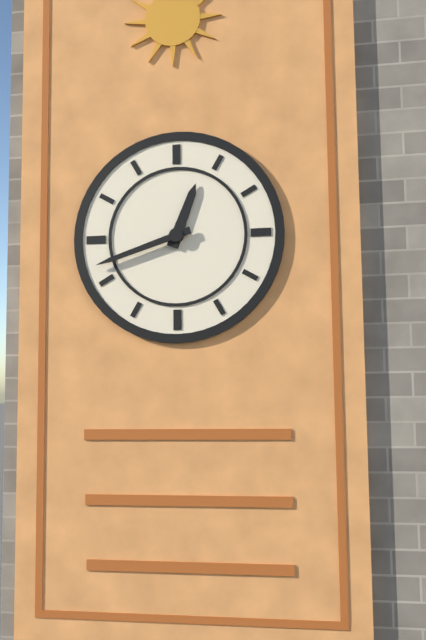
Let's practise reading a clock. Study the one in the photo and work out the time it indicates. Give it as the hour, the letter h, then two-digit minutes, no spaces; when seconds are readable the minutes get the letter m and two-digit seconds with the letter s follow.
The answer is 12h42
